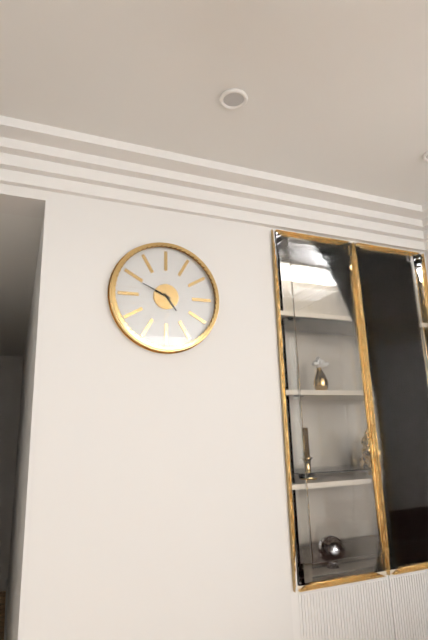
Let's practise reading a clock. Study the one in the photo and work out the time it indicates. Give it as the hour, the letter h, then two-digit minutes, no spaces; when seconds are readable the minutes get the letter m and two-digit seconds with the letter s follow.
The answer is 4h49
